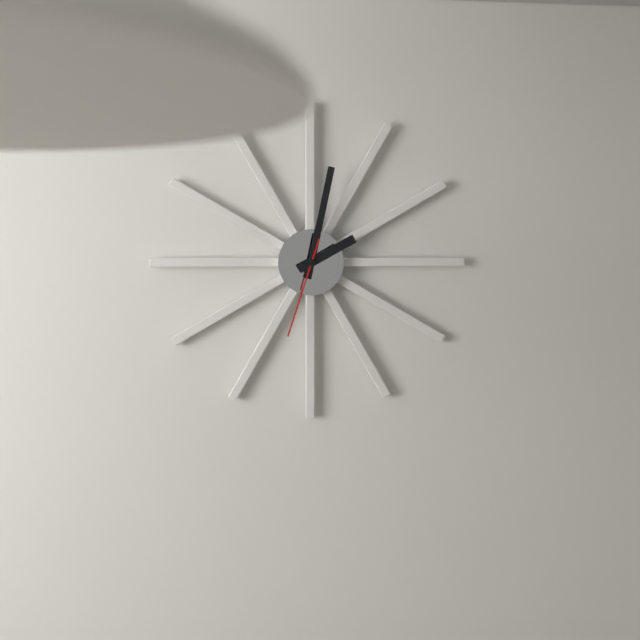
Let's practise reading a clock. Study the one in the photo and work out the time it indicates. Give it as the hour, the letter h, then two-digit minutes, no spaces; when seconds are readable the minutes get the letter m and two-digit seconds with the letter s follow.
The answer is 2h02m33s
